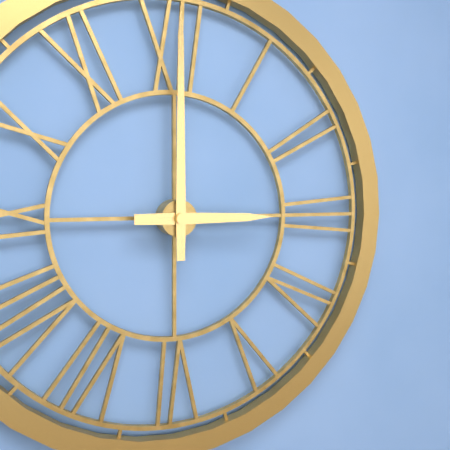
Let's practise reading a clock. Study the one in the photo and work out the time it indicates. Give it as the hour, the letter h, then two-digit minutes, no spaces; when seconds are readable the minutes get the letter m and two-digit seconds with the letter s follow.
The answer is 3h00
